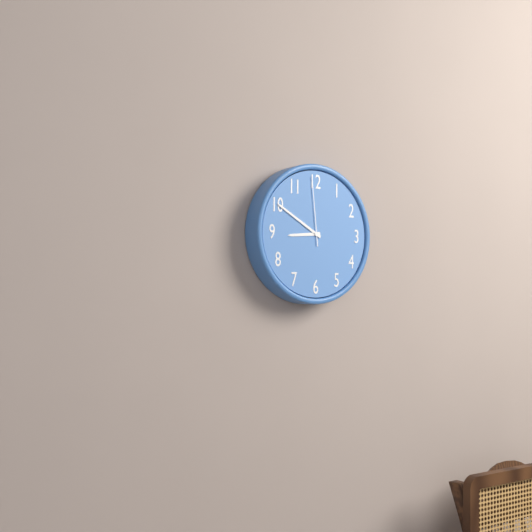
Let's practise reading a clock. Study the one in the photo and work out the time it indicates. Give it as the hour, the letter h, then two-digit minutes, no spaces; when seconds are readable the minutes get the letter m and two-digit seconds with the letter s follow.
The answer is 8h50m59s
